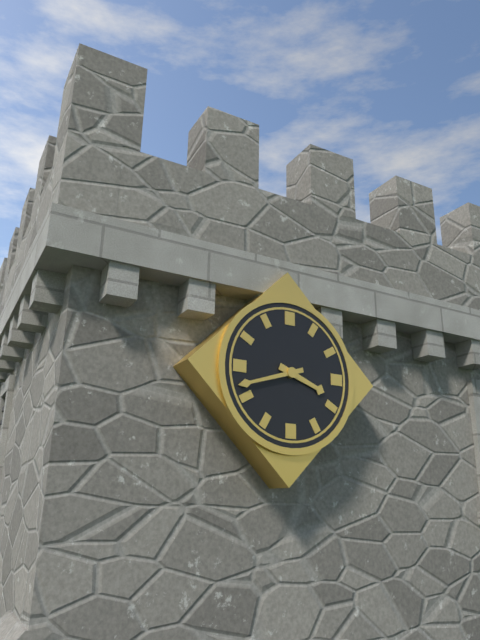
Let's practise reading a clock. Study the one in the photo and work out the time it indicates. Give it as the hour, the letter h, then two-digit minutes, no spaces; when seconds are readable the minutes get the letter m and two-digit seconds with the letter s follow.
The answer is 3h42
